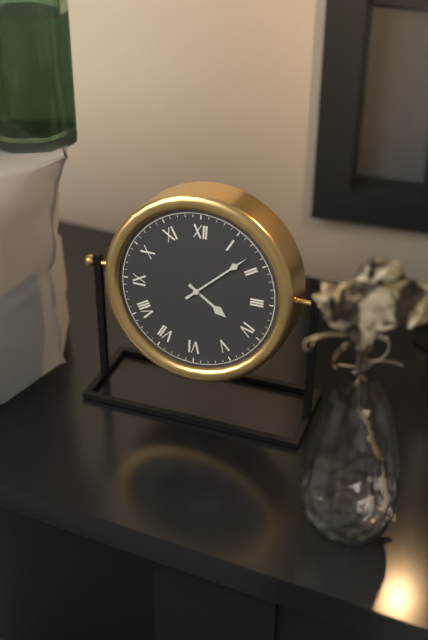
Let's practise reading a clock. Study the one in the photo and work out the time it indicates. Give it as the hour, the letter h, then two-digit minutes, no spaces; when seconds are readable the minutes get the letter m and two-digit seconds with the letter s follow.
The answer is 4h08
